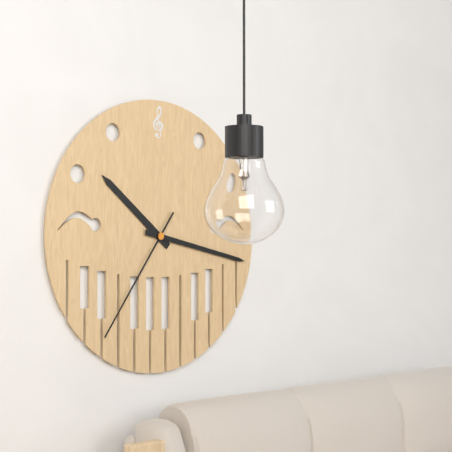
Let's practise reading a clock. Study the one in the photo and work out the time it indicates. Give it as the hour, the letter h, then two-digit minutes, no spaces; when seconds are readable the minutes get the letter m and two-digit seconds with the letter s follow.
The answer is 10h17m36s
